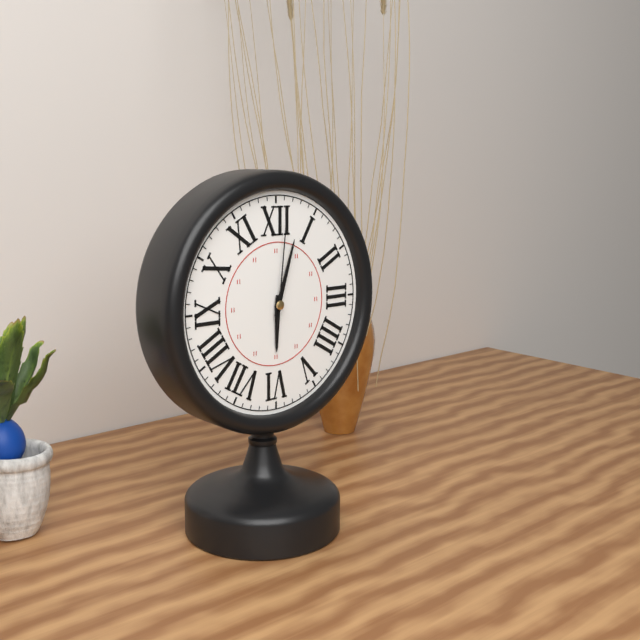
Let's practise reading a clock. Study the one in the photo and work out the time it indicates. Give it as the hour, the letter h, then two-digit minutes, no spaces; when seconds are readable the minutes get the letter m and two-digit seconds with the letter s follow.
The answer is 6h03m01s
